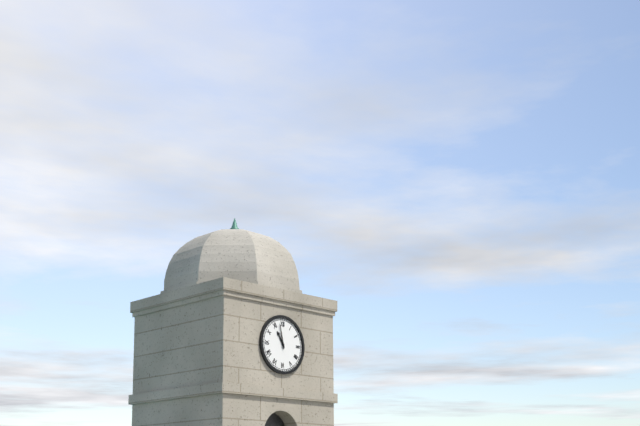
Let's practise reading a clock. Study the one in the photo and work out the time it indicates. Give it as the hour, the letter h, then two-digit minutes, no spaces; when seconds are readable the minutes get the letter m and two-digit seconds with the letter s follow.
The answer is 10h58
